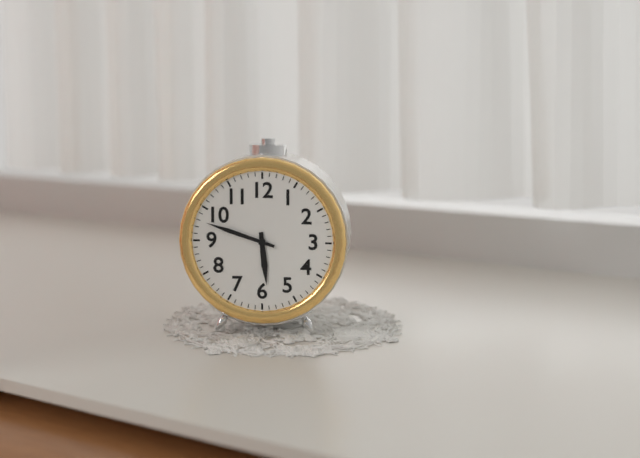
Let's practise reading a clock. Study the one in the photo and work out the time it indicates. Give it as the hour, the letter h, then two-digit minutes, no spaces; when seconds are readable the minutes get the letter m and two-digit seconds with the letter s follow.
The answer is 5h48
